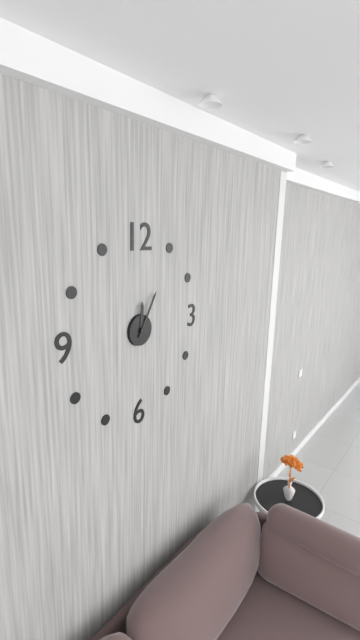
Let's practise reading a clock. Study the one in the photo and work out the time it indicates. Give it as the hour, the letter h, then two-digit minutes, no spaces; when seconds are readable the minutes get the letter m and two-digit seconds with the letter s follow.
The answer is 12h05
